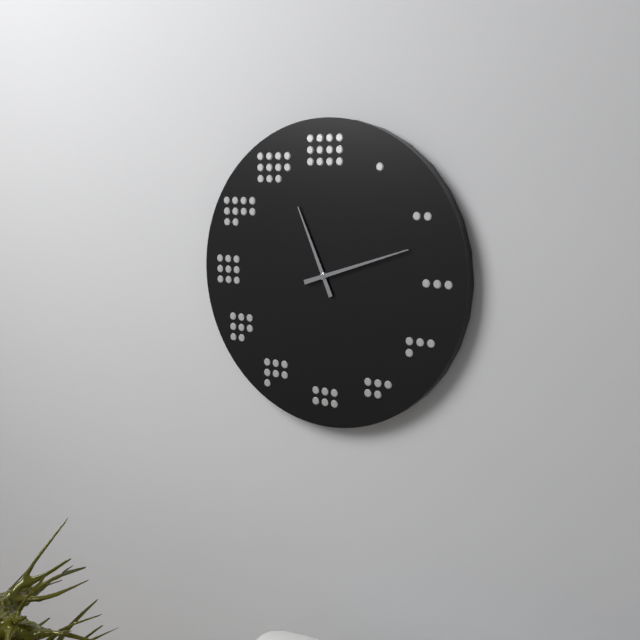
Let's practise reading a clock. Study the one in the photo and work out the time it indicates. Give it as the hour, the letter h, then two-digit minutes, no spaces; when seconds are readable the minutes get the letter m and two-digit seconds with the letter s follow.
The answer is 11h12
